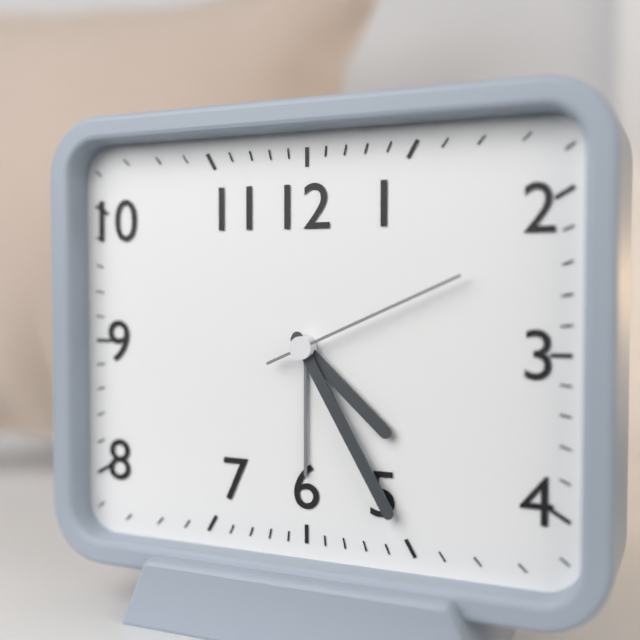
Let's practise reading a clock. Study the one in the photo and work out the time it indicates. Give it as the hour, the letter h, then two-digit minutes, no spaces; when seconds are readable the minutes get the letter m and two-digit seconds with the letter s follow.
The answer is 4h25m11s
